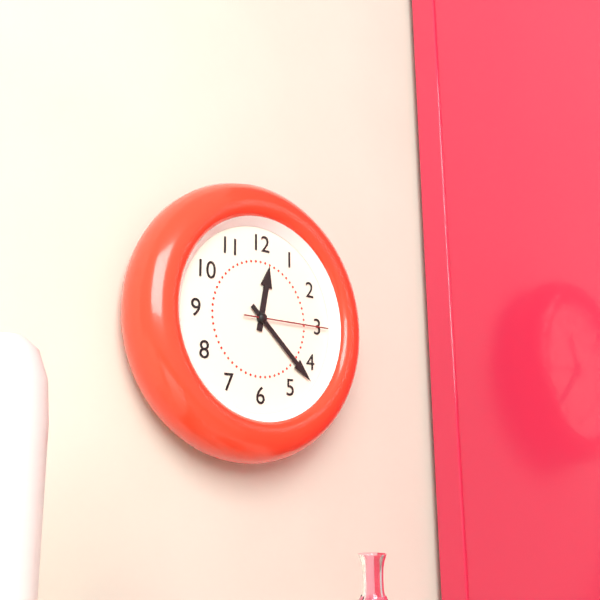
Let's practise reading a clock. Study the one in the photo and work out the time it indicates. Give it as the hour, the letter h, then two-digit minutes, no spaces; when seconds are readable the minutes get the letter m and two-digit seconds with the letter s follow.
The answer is 12h22m15s
